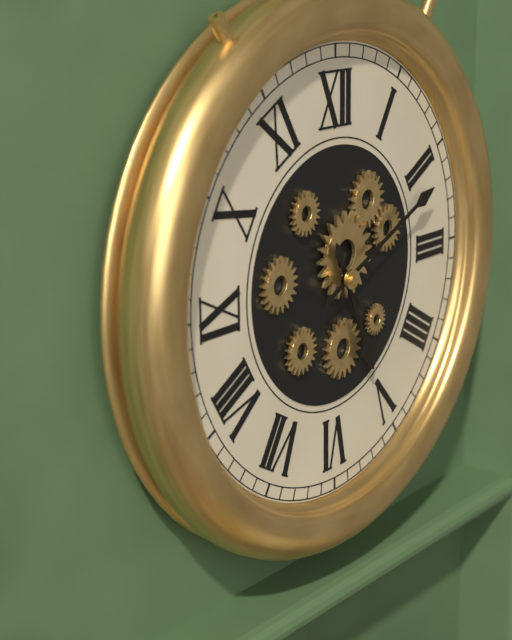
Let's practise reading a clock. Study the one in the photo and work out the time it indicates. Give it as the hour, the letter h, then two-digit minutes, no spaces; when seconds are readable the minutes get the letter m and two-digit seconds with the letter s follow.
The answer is 5h11
